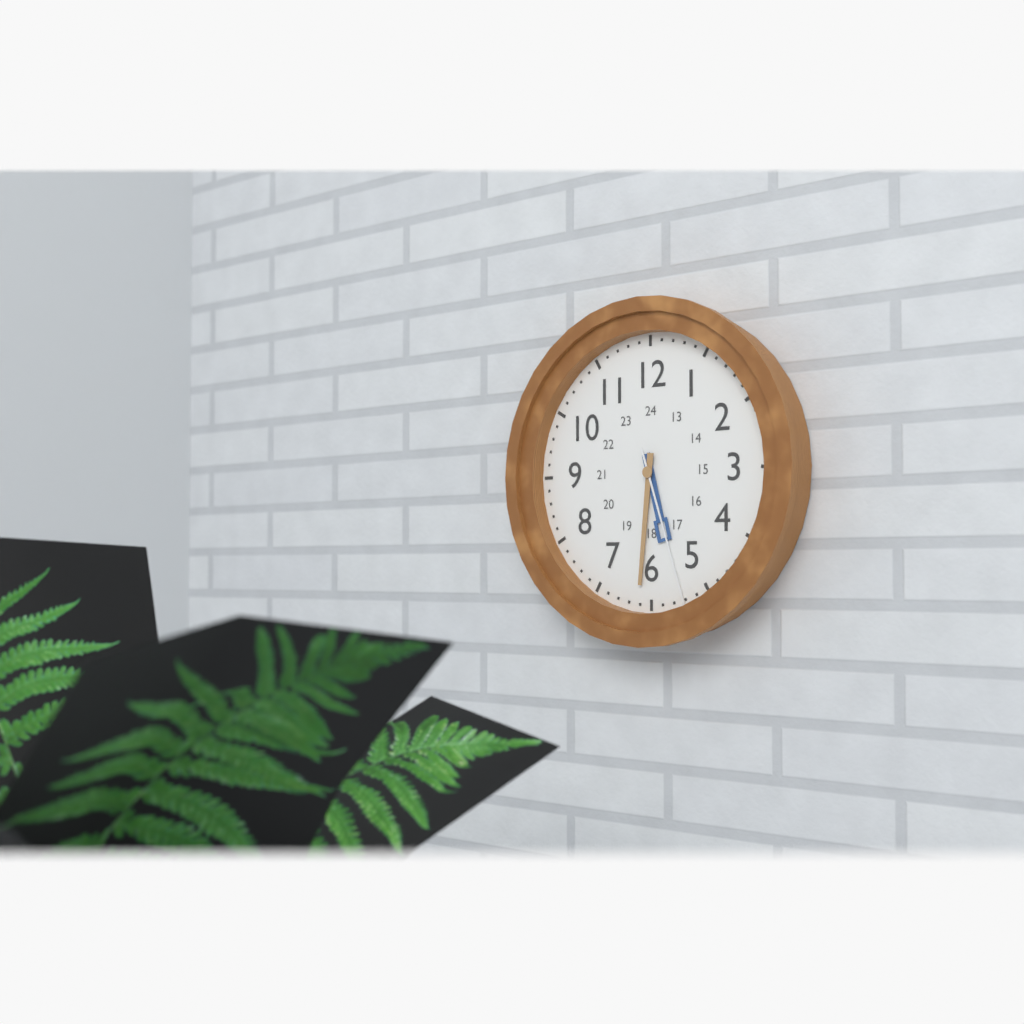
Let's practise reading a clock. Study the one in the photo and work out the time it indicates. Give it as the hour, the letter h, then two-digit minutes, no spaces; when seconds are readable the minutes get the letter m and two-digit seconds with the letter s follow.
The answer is 5h31m27s
